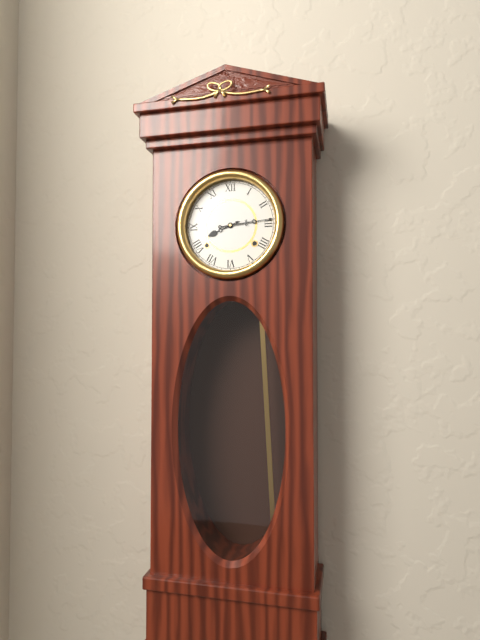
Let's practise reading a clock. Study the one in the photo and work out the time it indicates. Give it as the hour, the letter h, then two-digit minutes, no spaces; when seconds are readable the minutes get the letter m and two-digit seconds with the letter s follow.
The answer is 8h14
